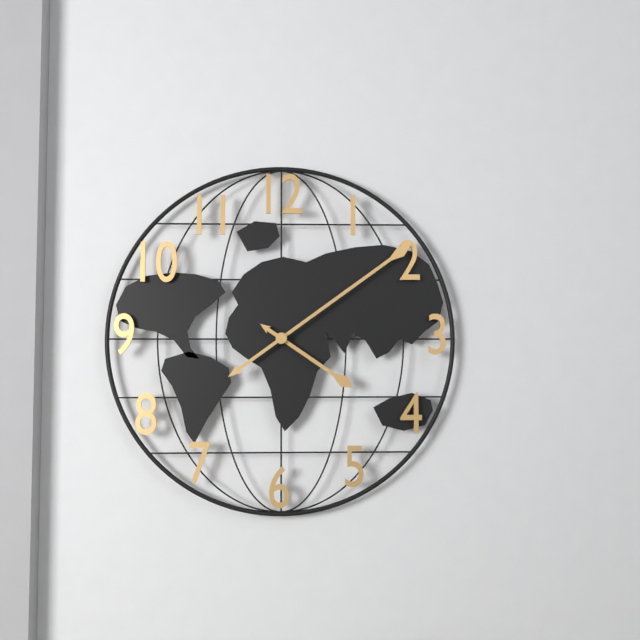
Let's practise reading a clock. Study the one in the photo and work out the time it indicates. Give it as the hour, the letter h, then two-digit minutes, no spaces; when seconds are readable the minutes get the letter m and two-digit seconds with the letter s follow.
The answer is 4h09
